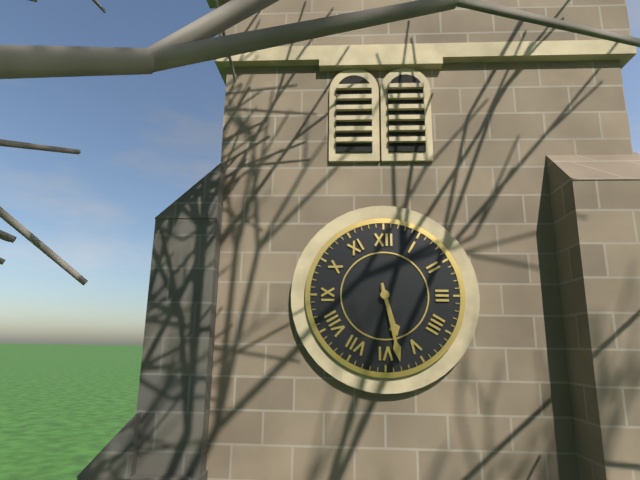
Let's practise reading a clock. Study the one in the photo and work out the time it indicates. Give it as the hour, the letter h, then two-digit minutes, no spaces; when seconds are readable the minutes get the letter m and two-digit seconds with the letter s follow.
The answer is 5h28
